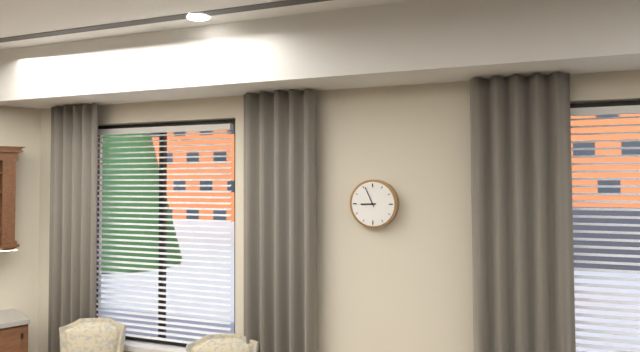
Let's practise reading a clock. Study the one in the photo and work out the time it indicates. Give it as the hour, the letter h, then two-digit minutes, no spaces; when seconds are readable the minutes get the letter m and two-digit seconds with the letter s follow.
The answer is 8h56
